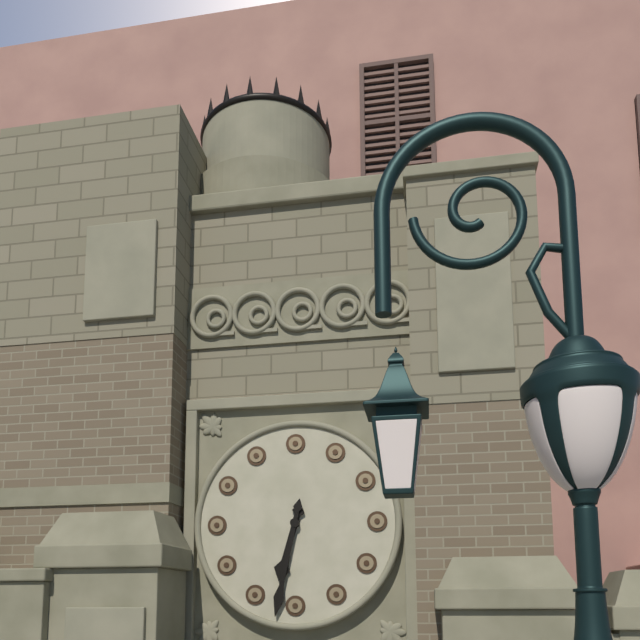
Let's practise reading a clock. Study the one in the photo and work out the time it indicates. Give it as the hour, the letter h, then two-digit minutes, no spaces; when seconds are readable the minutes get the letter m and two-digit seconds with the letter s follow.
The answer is 6h32
